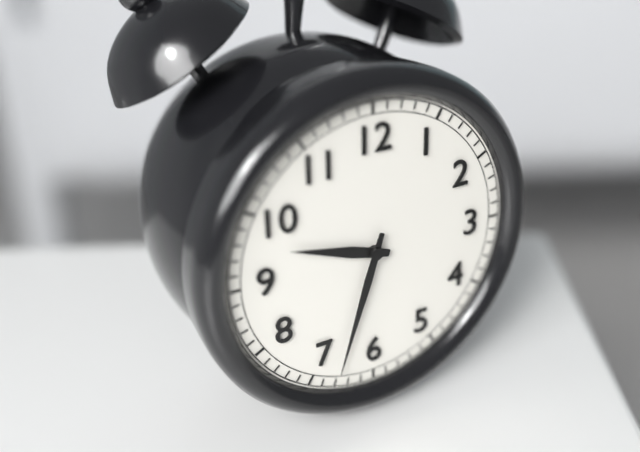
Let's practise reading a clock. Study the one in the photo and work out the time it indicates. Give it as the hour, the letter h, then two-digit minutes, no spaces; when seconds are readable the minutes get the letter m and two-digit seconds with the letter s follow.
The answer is 9h33
